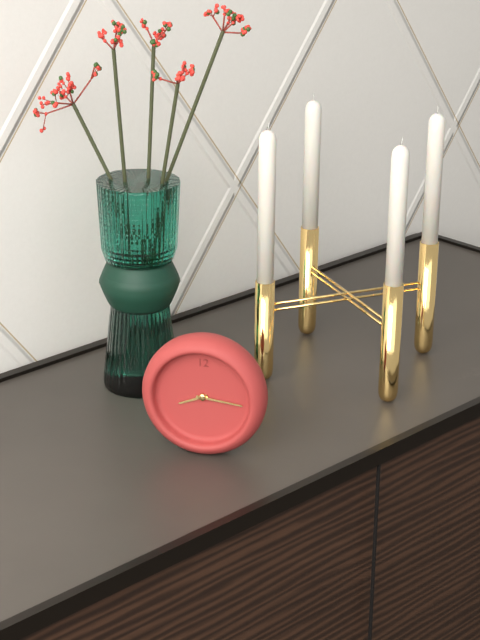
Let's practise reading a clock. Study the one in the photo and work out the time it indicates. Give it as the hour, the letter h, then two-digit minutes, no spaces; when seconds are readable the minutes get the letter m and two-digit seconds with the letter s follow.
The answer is 8h16
